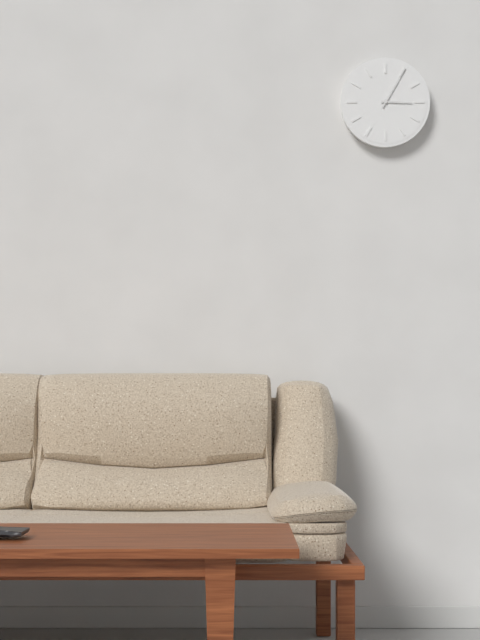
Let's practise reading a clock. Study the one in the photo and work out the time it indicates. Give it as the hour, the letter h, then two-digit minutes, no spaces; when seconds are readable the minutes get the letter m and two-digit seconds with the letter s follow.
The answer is 3h05
